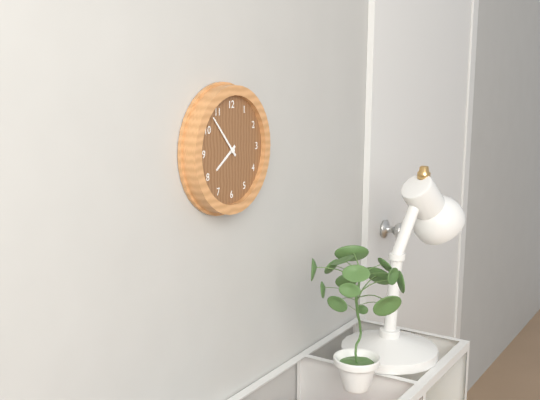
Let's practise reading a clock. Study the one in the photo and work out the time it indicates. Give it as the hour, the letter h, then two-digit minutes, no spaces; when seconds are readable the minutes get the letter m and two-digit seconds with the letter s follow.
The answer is 7h53
